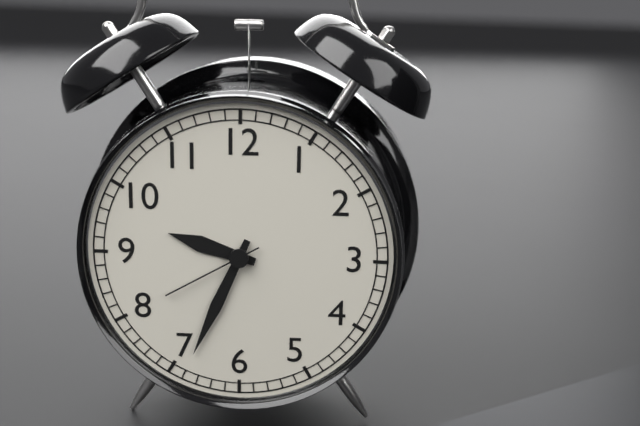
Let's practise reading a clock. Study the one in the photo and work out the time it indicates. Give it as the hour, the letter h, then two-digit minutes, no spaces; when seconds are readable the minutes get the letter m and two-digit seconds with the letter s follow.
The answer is 9h34m40s
